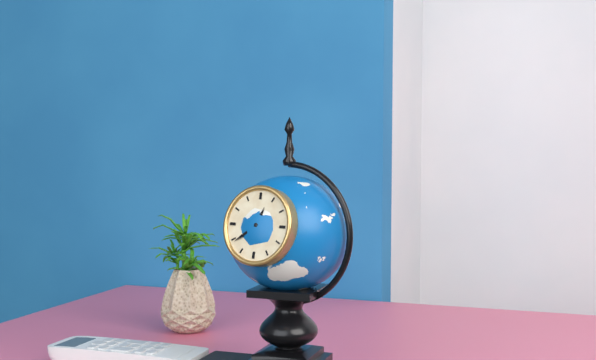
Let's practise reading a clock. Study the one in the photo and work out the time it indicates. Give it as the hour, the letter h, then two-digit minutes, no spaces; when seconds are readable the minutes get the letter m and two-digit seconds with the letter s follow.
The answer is 12h39
